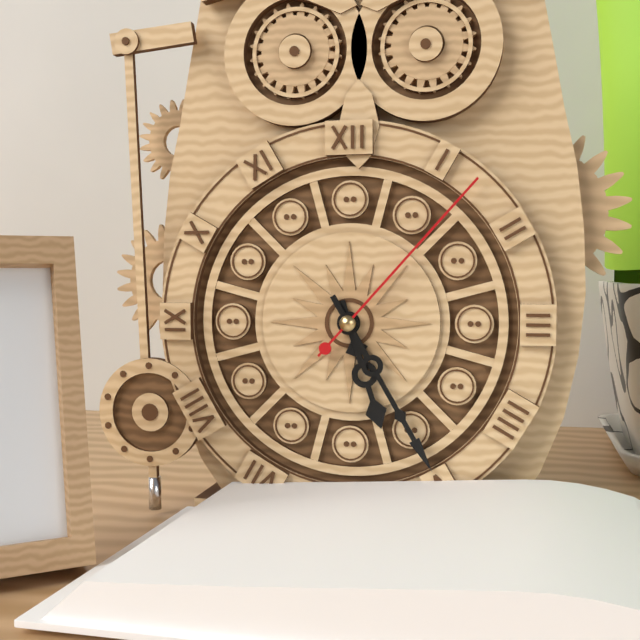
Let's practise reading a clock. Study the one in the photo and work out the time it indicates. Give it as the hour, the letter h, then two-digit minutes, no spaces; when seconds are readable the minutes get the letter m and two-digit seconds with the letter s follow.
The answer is 5h25m07s
